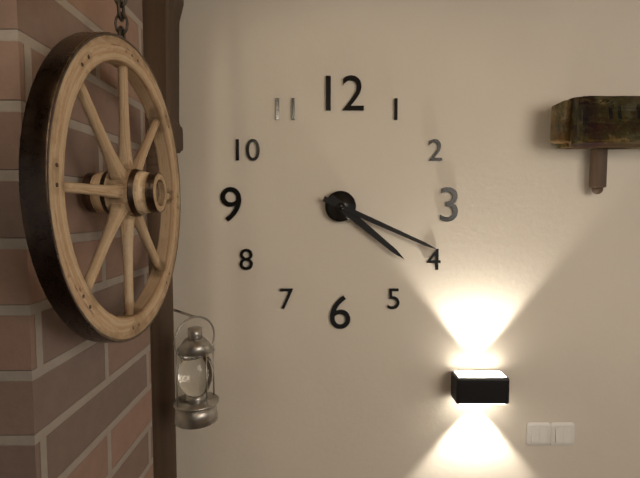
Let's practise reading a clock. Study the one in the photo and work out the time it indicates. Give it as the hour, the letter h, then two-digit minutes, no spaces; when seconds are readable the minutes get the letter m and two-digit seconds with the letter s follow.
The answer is 4h19
